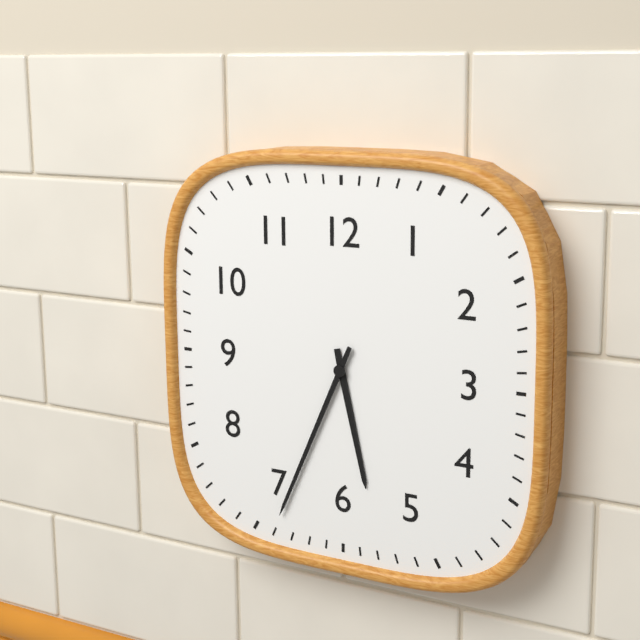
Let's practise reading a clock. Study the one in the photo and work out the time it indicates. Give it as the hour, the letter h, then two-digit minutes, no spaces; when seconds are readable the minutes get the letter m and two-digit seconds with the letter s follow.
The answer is 5h34
